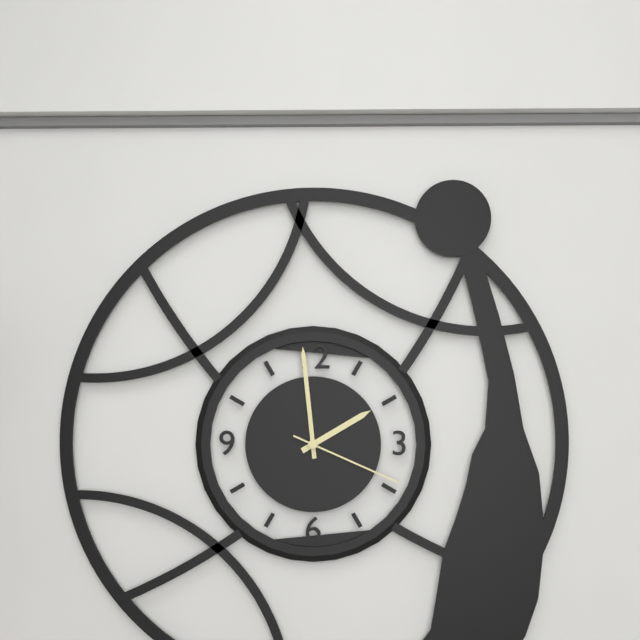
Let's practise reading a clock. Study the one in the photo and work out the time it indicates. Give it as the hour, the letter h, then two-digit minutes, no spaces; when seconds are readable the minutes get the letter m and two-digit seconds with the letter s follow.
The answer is 1h59m19s
